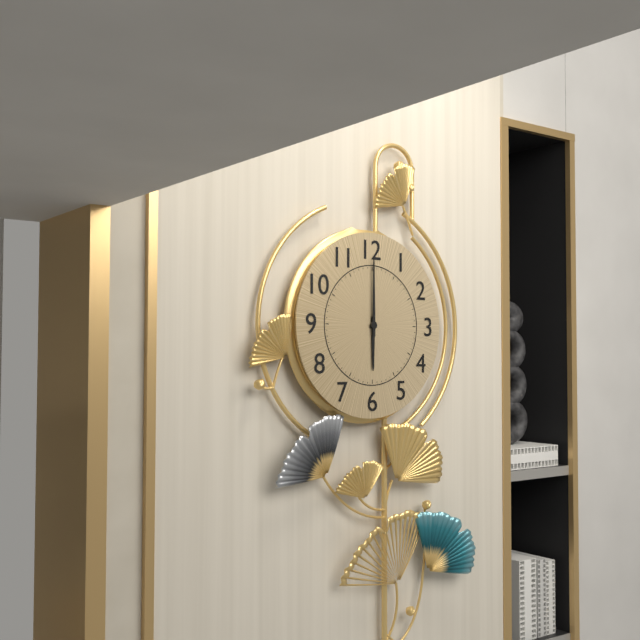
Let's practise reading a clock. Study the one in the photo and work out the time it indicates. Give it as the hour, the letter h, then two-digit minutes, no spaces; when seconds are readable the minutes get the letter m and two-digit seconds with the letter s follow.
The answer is 6h00
